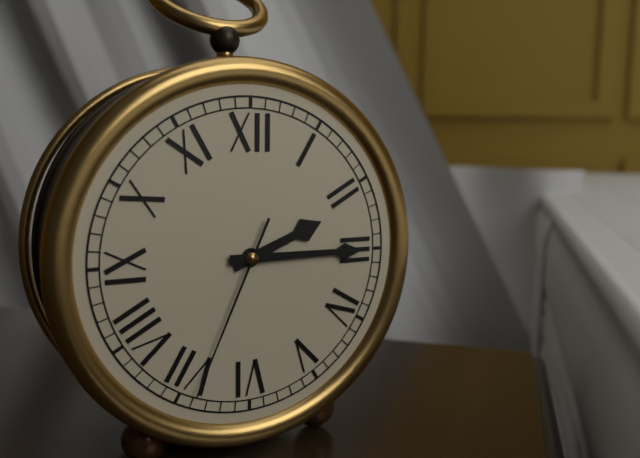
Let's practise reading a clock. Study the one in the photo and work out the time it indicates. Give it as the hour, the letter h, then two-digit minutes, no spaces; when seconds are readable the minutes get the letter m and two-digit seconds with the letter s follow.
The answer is 2h15m34s
